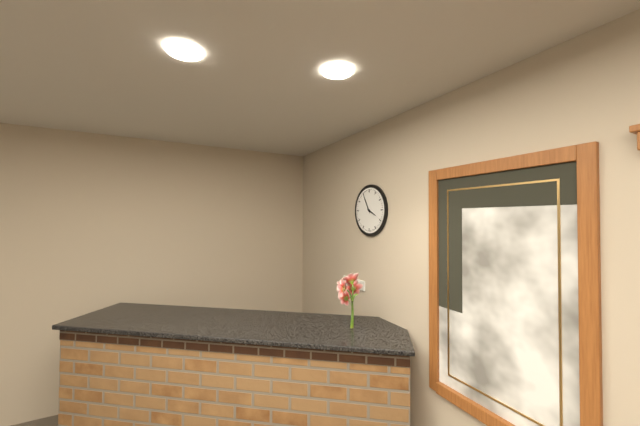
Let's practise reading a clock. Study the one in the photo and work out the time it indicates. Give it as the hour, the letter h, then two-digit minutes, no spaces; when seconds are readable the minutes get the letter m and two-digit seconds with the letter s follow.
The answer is 3h55
